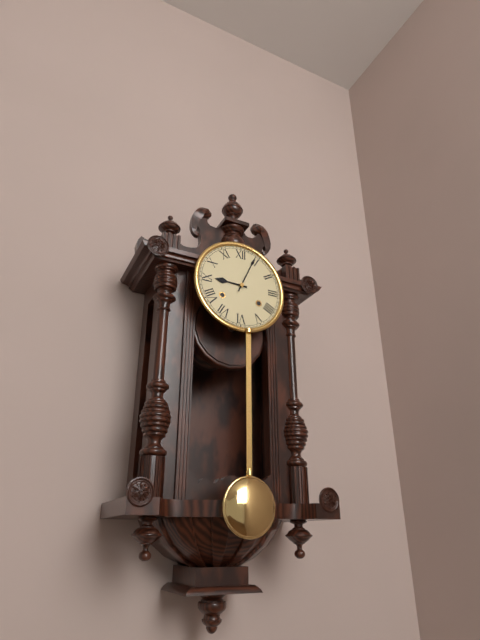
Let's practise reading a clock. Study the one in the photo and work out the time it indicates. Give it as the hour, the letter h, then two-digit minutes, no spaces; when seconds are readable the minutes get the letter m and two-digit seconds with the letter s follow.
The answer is 9h04
